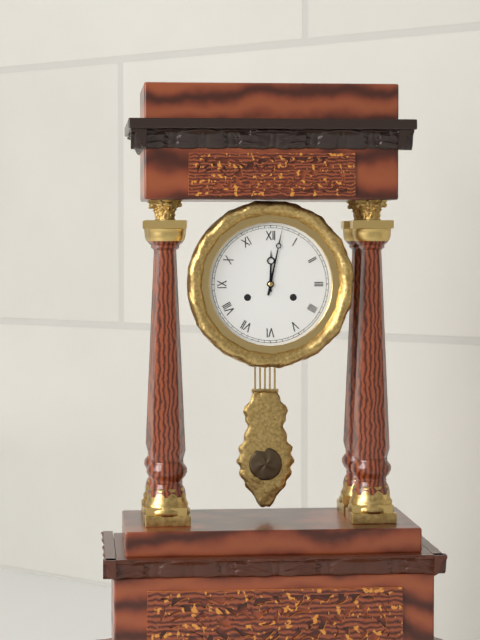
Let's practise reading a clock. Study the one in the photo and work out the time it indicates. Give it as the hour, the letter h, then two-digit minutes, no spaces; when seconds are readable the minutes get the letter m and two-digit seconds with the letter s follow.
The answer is 12h02
